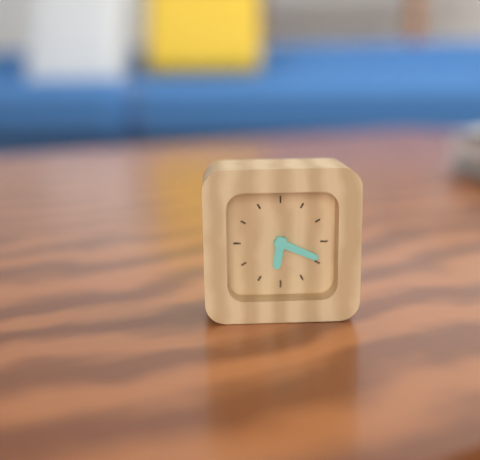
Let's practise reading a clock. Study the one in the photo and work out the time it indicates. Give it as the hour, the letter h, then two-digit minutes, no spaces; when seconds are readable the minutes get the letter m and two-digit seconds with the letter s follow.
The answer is 6h19
